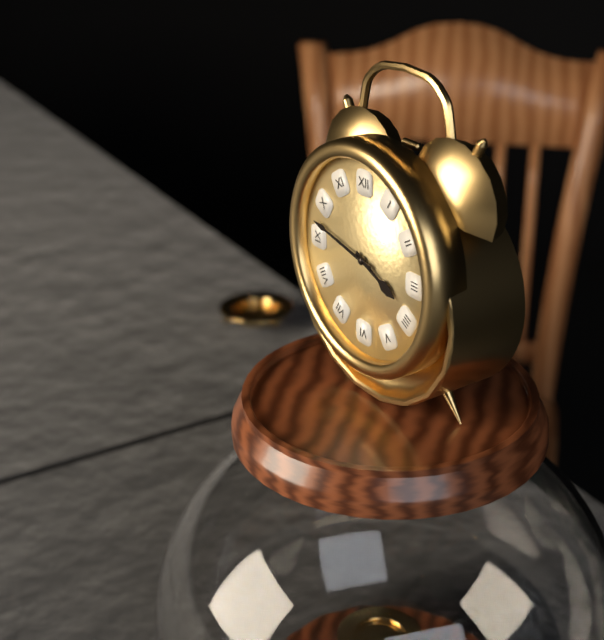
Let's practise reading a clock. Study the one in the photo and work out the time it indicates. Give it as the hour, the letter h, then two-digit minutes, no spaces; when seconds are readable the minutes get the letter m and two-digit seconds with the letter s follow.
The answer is 3h47
